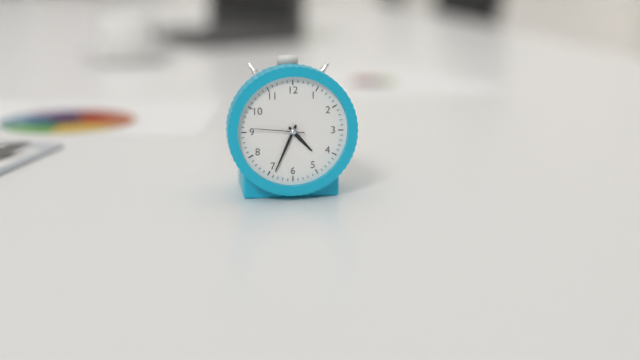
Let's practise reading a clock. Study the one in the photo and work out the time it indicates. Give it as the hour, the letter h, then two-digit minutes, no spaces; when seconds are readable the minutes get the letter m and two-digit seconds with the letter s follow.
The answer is 4h34
